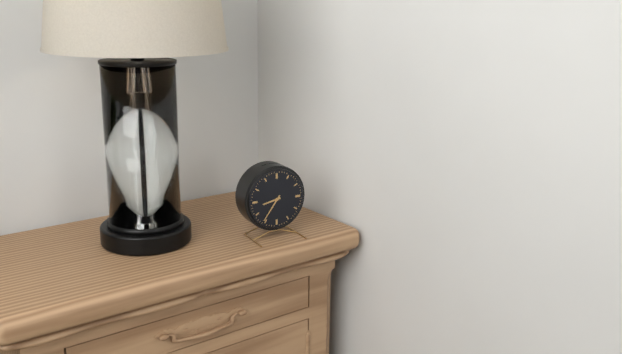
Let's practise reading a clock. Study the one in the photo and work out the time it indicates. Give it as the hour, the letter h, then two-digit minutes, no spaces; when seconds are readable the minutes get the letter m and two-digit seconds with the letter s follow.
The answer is 8h36
